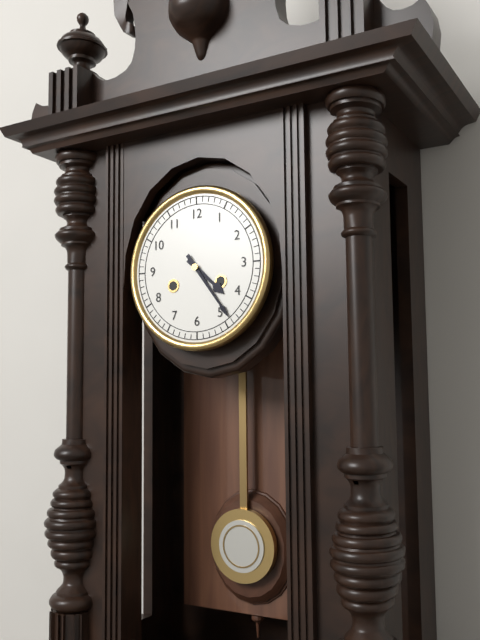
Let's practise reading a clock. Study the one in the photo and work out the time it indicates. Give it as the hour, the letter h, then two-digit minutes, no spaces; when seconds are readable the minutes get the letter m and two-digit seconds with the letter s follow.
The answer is 4h24
